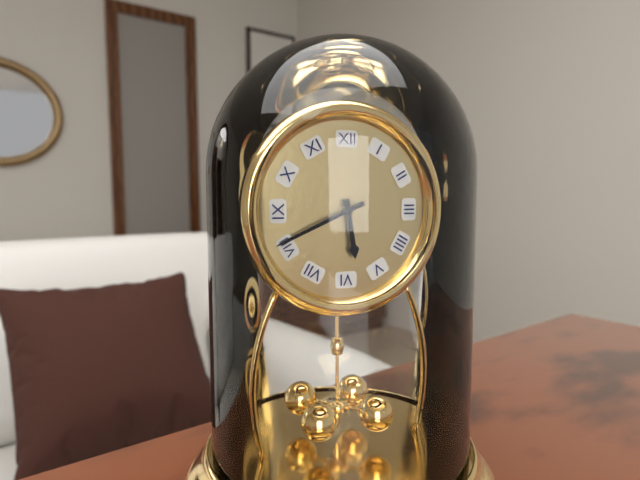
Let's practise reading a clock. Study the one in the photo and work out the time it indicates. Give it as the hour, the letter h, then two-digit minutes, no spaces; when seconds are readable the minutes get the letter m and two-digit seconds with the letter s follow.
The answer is 5h41
